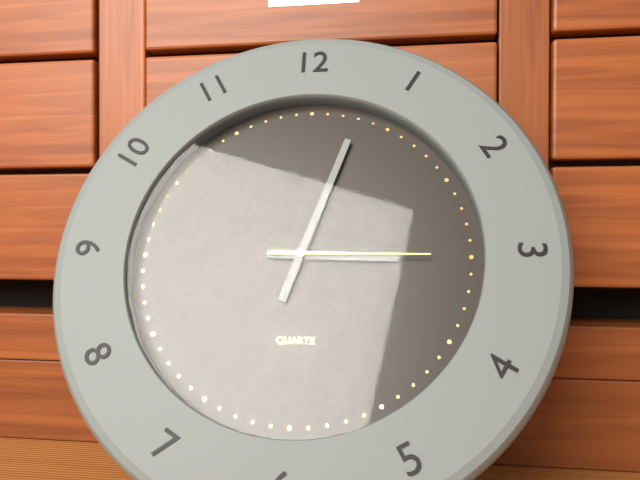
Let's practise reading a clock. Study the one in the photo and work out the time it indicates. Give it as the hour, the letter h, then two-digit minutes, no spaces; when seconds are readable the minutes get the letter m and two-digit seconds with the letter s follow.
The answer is 3h03m15s
